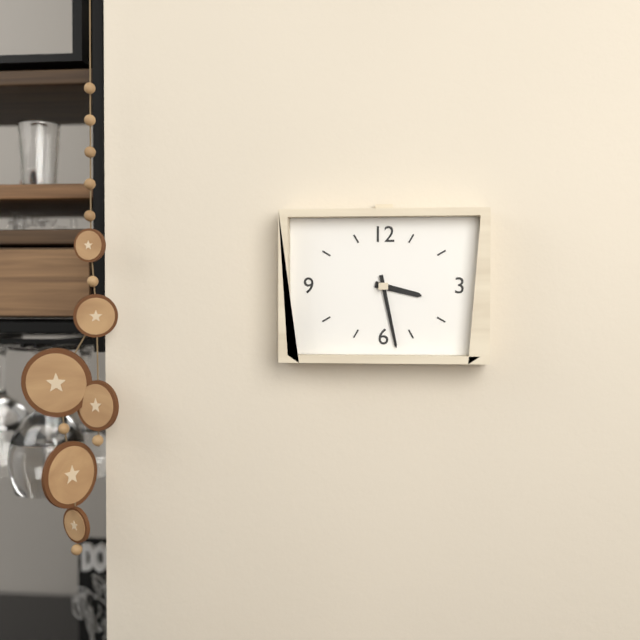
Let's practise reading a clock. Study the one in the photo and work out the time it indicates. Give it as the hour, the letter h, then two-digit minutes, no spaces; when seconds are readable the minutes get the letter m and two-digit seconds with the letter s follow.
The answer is 3h28
